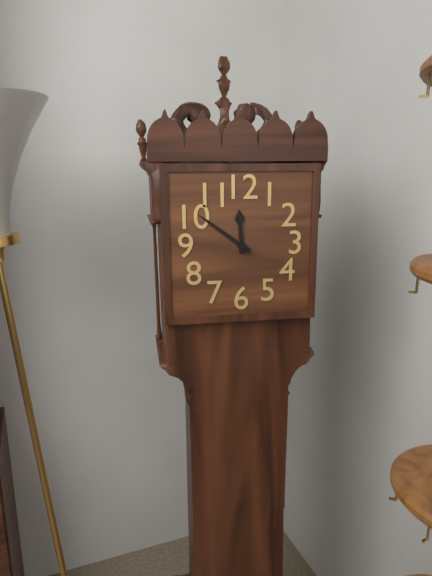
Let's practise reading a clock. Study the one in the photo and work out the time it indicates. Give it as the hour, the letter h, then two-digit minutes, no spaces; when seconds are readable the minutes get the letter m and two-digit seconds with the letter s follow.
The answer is 11h51
